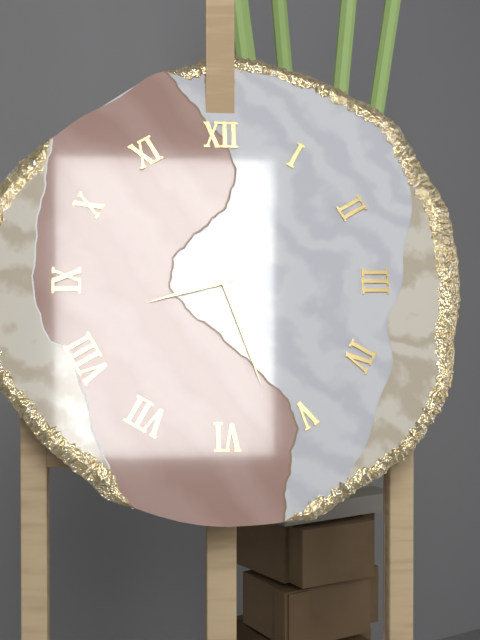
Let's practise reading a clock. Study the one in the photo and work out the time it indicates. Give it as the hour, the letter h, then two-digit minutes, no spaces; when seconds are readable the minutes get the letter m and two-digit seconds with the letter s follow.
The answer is 8h27
